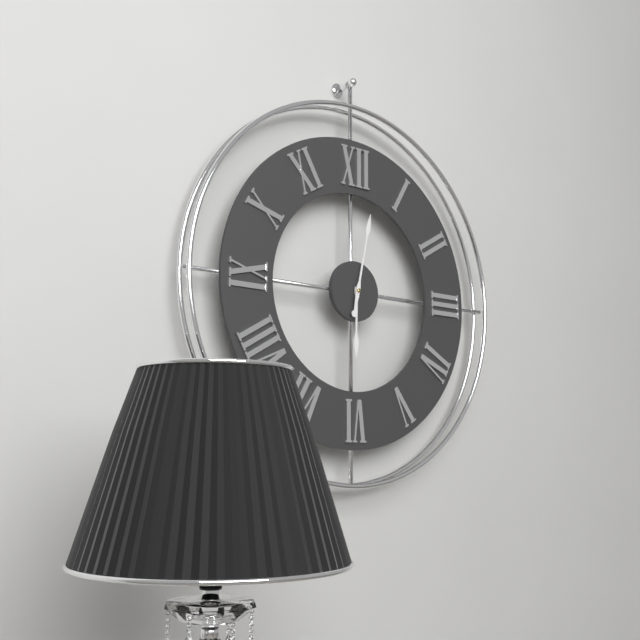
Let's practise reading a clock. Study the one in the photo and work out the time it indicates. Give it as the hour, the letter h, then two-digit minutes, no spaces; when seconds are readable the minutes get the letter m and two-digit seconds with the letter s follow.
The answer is 6h02
